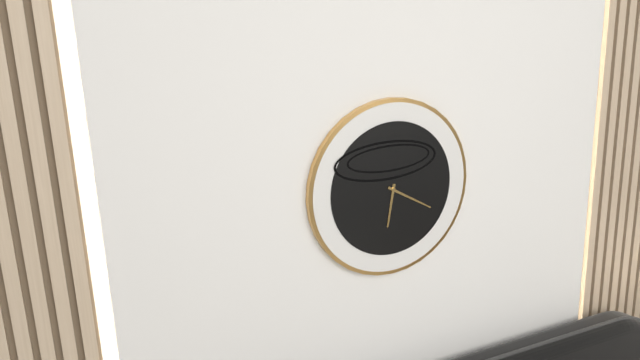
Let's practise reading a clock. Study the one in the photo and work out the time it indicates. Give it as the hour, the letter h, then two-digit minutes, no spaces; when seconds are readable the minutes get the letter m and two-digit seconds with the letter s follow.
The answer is 6h20
